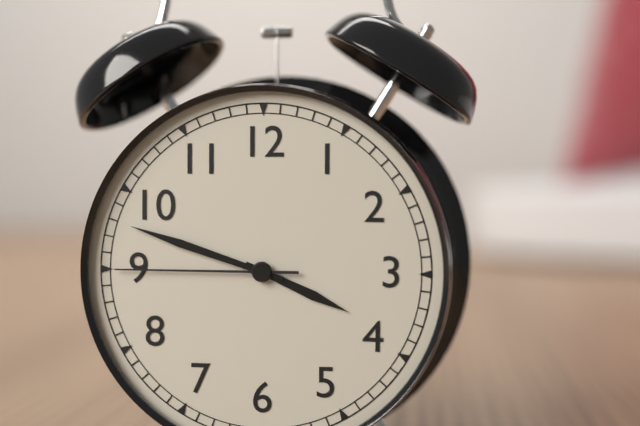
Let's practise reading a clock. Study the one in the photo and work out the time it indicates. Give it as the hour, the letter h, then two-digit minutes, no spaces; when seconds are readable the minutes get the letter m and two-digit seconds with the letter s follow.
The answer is 3h48m45s
